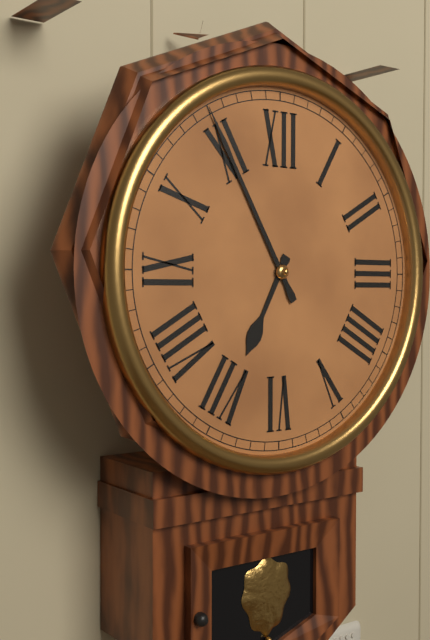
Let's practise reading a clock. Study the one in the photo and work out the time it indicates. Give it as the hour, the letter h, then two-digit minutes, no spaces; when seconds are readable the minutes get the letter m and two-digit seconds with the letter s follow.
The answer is 6h55
